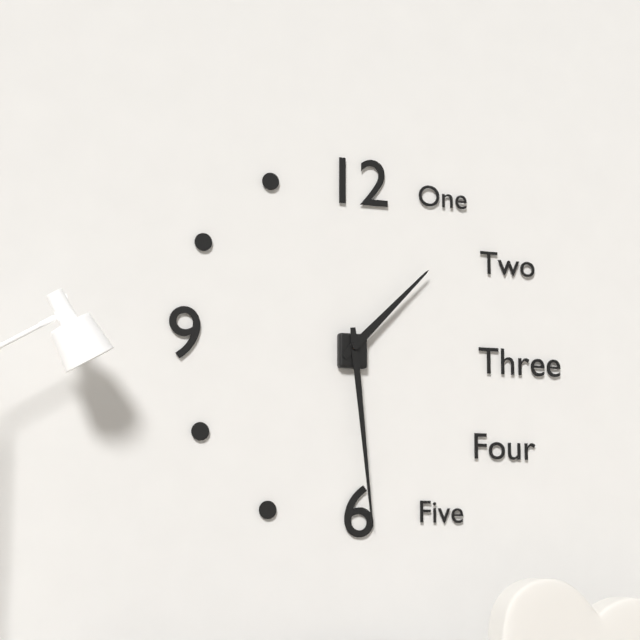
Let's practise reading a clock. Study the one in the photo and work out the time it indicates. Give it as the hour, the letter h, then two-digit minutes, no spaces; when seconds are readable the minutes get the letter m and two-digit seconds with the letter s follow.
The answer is 1h29
